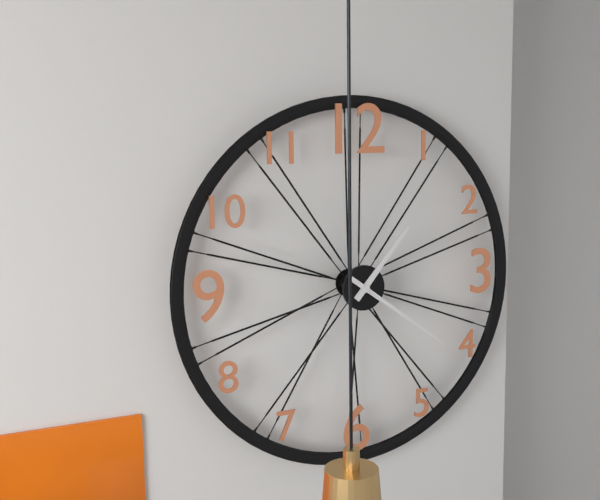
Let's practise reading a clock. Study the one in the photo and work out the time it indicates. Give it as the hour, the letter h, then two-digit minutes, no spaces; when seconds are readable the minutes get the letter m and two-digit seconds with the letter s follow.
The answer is 1h21
